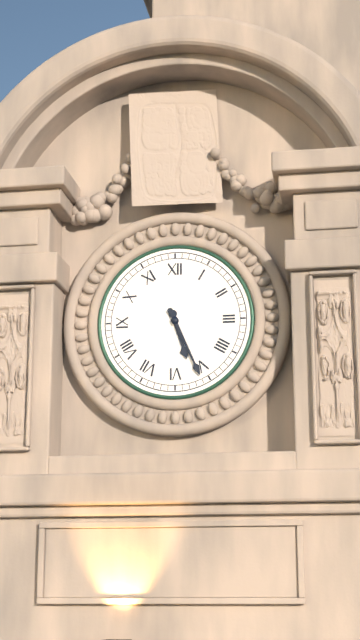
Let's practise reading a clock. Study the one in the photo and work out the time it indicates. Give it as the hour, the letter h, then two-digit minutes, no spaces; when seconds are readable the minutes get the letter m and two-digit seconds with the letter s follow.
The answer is 5h26
